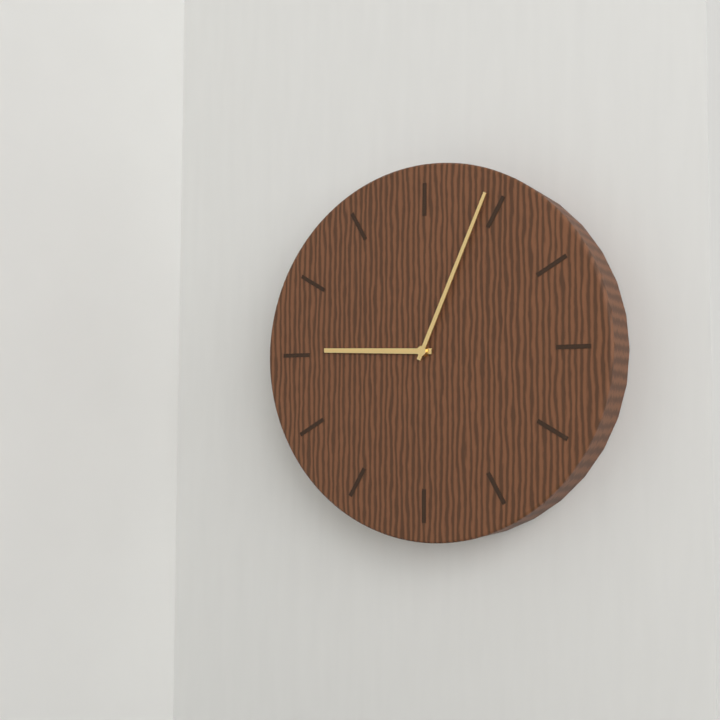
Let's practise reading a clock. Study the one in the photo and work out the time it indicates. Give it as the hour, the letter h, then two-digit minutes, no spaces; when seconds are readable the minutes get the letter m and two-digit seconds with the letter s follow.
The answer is 9h04
